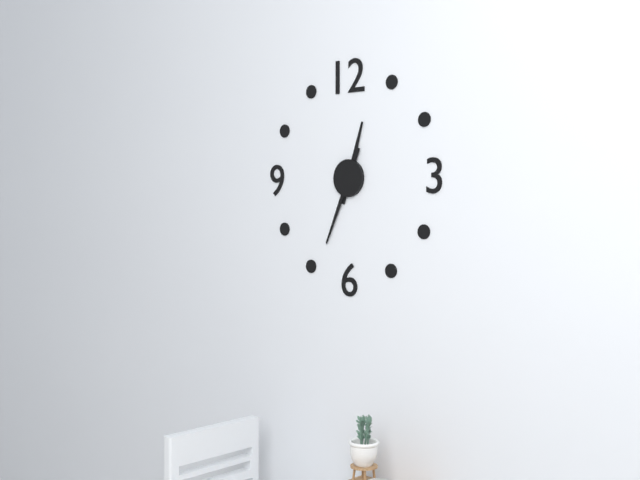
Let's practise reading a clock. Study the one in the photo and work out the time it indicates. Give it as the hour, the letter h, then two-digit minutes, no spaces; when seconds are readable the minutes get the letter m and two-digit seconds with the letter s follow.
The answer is 12h34
